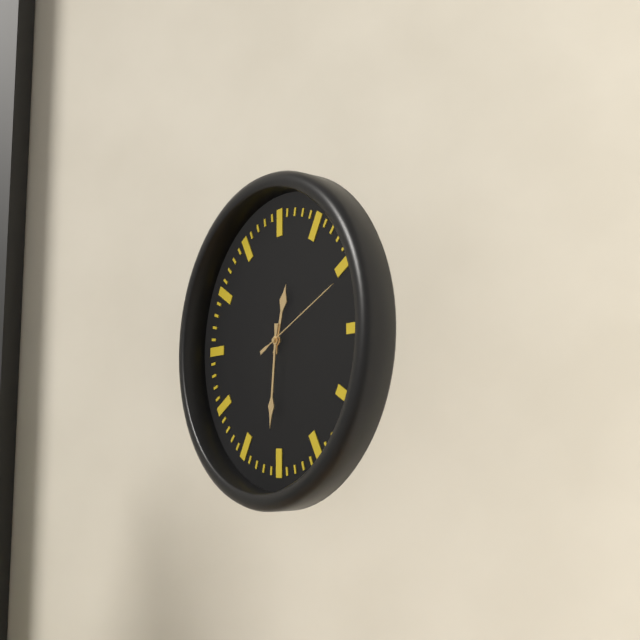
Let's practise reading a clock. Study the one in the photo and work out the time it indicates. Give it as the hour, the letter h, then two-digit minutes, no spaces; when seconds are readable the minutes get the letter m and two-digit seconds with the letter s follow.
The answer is 12h31m11s
